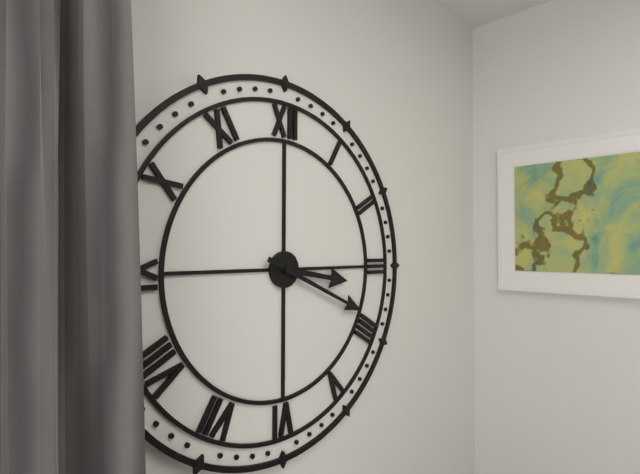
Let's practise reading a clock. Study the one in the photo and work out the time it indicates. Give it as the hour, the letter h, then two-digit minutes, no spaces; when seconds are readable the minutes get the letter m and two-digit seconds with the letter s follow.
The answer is 3h19
